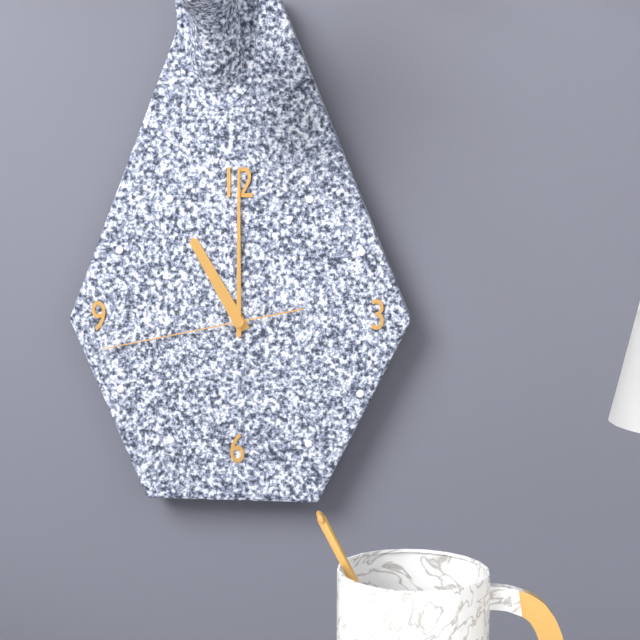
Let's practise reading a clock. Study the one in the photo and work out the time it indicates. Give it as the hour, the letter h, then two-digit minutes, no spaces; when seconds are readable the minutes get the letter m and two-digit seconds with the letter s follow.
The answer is 11h00m43s
